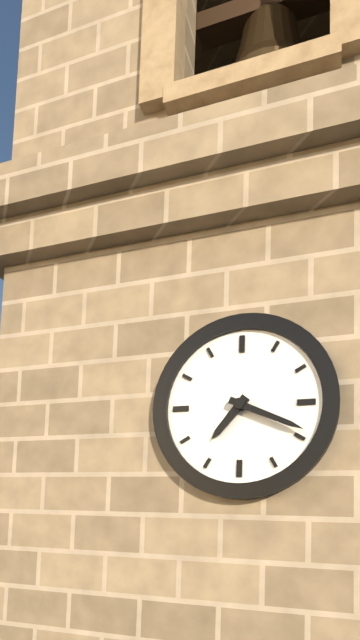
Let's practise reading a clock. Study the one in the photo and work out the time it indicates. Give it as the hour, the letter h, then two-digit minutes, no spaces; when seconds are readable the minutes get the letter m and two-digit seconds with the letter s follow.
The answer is 7h19
